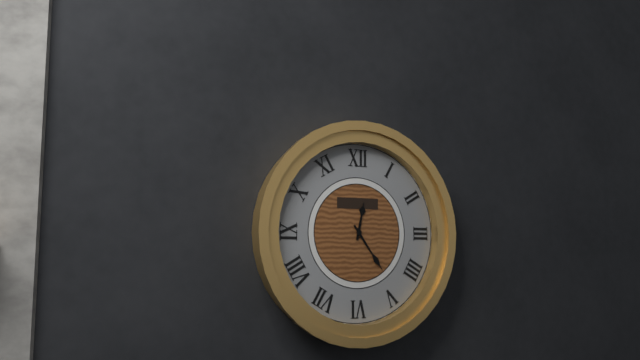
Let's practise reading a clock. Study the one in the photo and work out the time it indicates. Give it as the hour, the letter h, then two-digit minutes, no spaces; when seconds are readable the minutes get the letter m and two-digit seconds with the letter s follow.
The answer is 12h24
